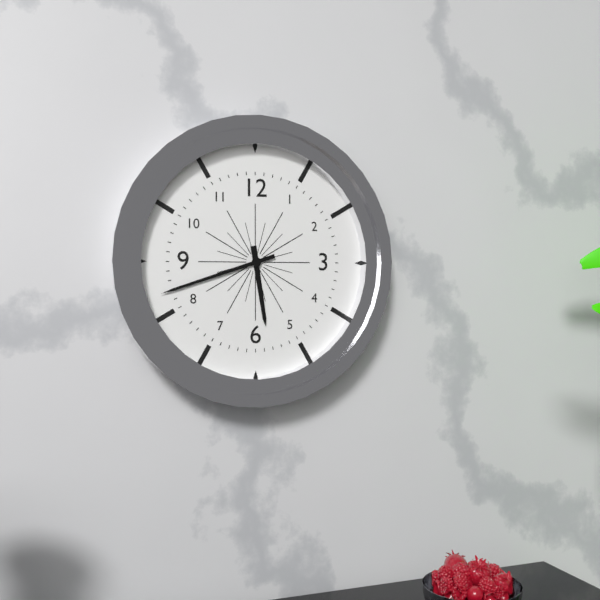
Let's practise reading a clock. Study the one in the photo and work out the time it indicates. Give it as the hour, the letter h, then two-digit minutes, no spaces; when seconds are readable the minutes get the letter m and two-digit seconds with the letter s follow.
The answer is 5h42
